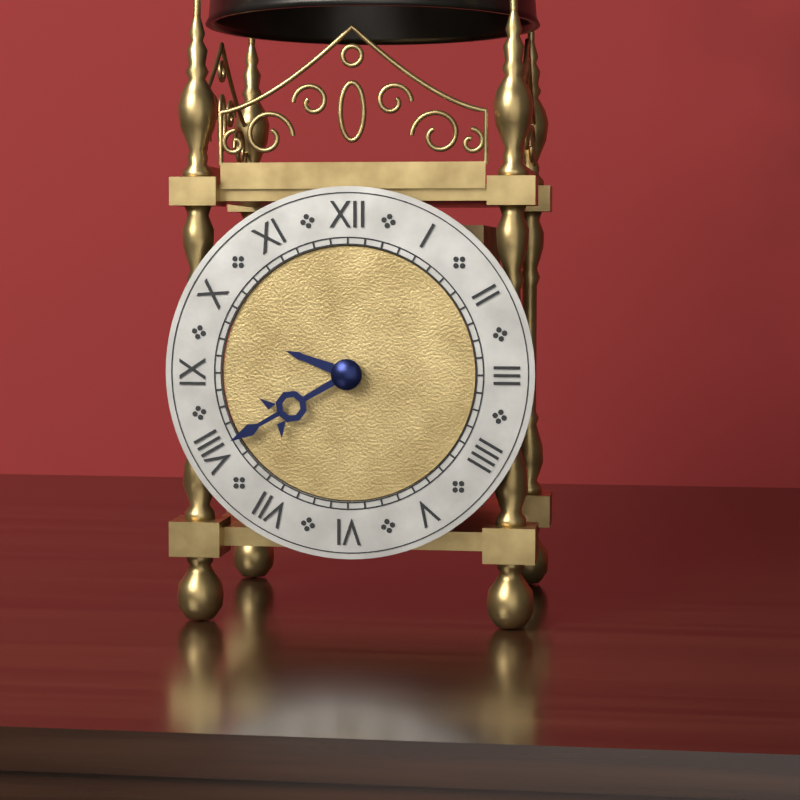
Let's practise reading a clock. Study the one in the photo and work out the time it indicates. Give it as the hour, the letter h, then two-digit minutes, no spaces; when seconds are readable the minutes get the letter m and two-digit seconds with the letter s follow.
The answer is 9h40
